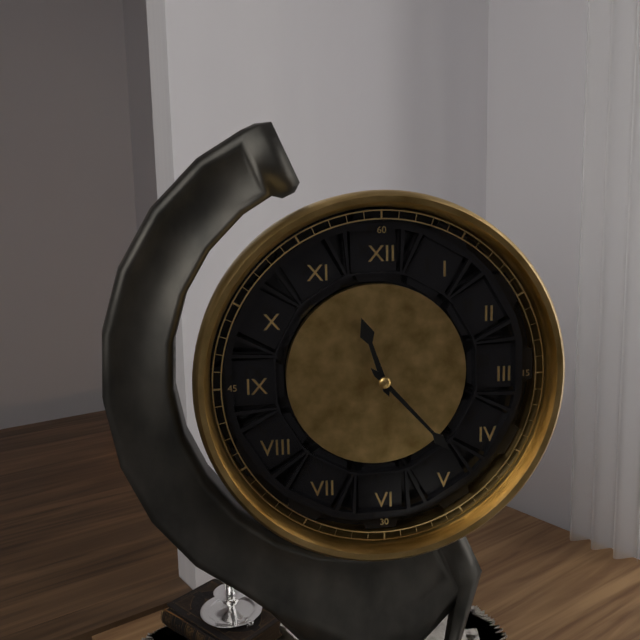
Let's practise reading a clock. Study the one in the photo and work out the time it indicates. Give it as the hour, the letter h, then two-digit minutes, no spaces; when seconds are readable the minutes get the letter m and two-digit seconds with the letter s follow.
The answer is 11h23
